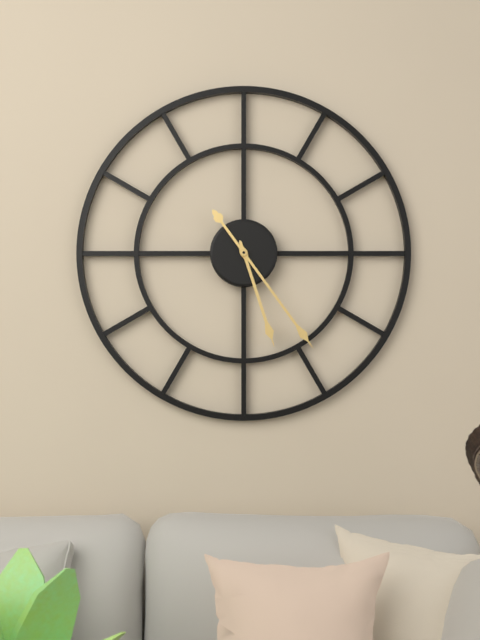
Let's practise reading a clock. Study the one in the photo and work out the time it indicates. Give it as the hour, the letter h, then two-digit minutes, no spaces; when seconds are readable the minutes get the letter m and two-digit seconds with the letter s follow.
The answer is 5h24
